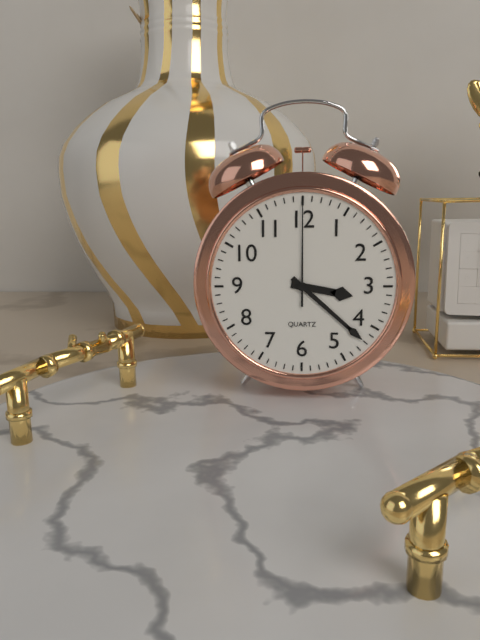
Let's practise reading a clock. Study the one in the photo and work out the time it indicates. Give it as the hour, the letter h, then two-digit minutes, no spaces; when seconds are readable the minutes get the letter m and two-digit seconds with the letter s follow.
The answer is 3h22m00s
